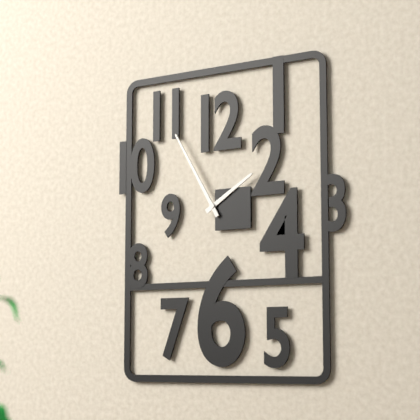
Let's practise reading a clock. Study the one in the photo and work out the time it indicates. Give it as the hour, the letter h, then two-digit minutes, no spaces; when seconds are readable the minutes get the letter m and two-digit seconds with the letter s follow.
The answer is 1h55
